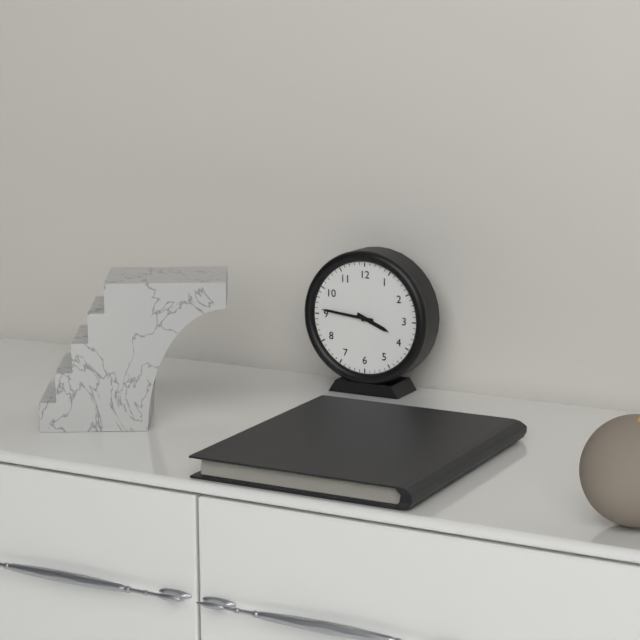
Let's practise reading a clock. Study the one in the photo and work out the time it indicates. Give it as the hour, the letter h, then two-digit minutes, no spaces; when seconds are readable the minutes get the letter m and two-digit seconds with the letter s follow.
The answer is 3h46
